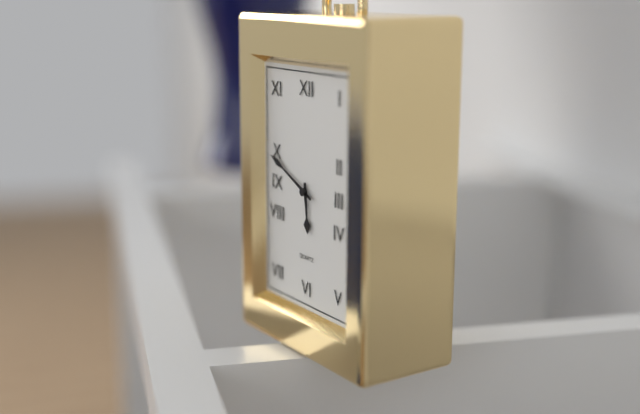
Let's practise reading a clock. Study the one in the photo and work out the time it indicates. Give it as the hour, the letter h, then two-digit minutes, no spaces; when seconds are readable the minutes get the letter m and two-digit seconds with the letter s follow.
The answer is 5h49
